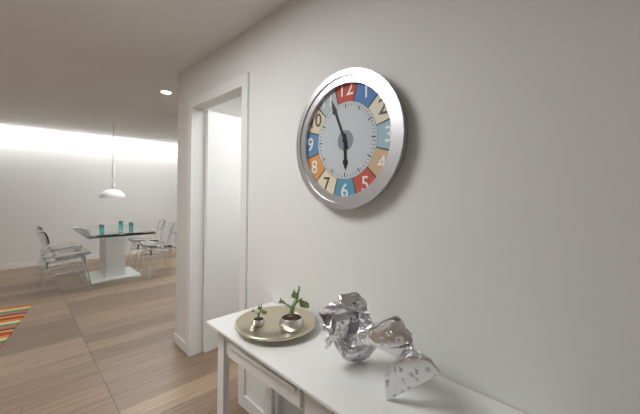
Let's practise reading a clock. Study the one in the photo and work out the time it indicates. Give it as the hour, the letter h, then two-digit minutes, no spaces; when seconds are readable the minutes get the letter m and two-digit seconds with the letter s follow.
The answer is 5h56
